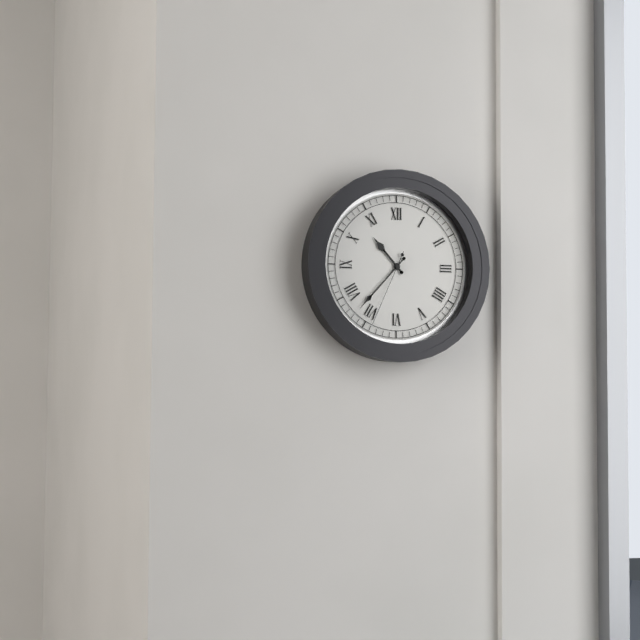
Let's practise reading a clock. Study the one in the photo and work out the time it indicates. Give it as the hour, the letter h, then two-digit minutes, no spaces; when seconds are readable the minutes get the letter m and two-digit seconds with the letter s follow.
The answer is 10h37m34s
